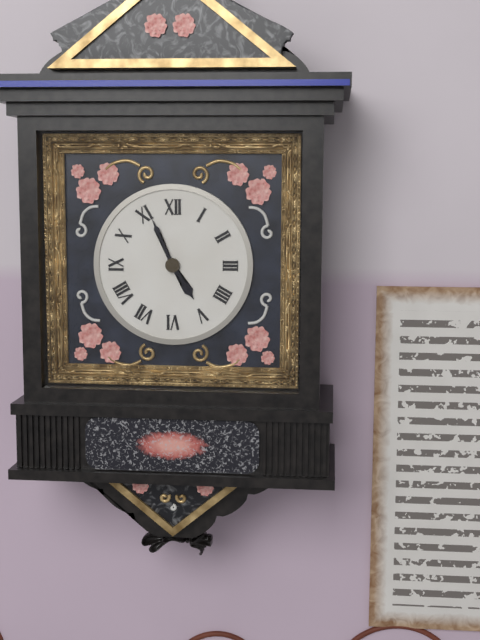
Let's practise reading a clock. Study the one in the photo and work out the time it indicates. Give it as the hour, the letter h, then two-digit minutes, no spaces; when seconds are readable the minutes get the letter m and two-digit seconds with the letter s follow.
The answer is 4h56
